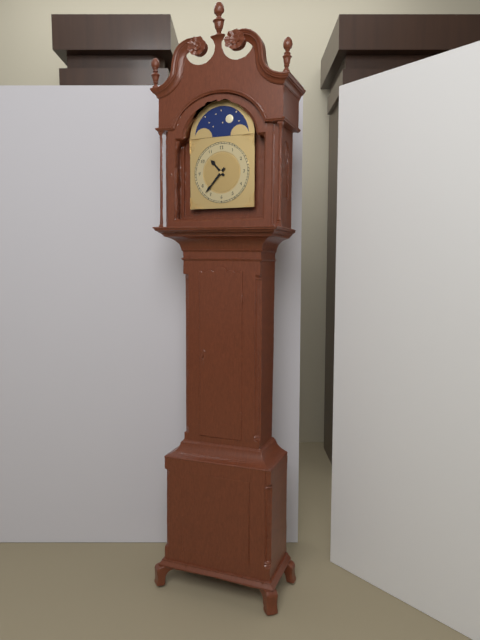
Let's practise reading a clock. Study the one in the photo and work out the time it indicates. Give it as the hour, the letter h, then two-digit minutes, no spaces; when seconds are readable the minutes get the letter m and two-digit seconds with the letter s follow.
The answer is 10h37
